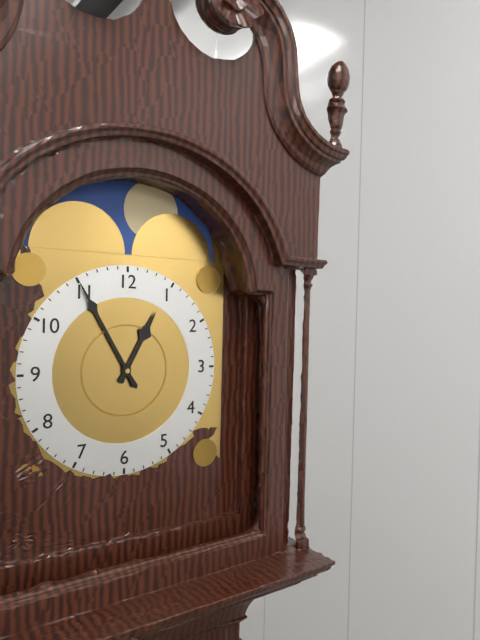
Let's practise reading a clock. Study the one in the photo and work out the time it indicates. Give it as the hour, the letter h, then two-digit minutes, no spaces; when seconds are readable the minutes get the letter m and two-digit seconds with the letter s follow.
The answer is 12h55
